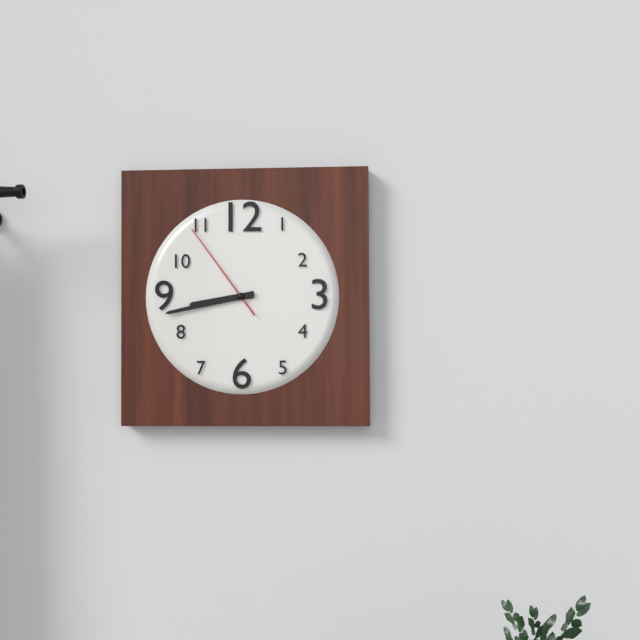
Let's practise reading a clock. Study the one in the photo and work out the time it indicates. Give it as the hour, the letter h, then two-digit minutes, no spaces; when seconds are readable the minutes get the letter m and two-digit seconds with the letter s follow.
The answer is 8h43m54s
